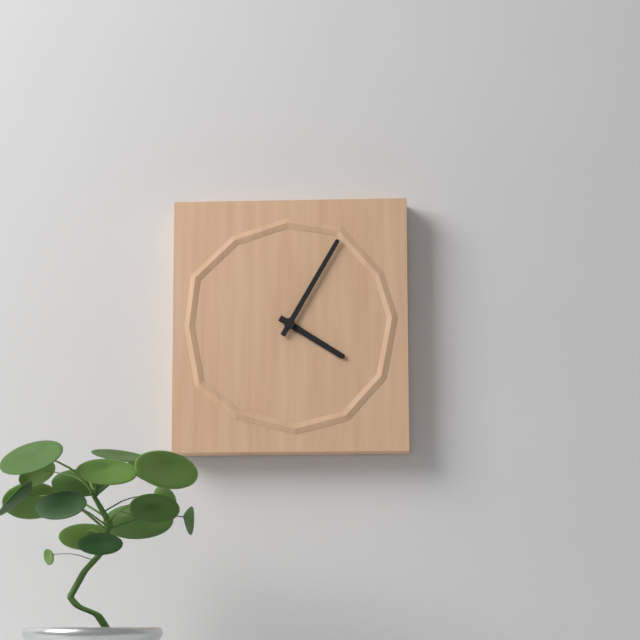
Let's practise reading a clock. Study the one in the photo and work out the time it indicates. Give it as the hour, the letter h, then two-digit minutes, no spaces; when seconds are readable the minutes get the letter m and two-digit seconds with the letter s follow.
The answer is 4h05
